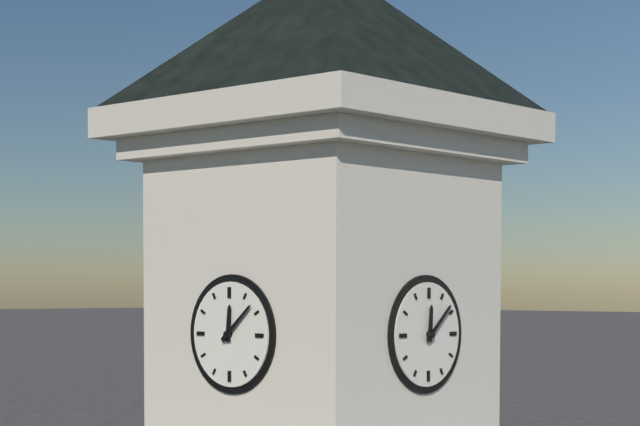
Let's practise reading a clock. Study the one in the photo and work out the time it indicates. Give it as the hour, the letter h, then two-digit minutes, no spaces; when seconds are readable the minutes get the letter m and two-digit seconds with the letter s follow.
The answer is 12h08
